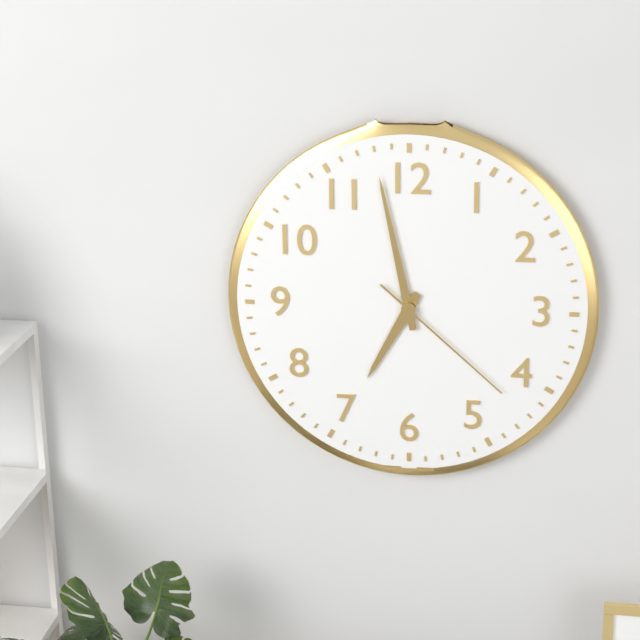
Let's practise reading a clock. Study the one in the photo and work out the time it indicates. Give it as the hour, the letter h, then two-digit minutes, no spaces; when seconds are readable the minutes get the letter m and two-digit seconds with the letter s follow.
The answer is 6h58m22s
